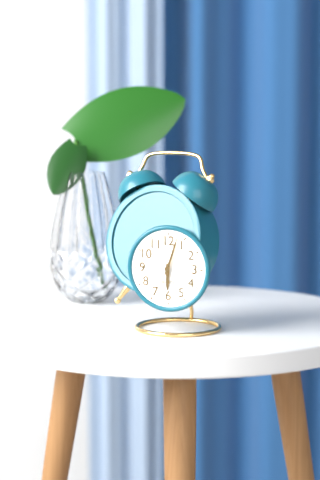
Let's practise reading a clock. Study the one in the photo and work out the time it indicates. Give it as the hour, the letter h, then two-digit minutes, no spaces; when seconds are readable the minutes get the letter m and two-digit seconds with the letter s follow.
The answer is 6h03
